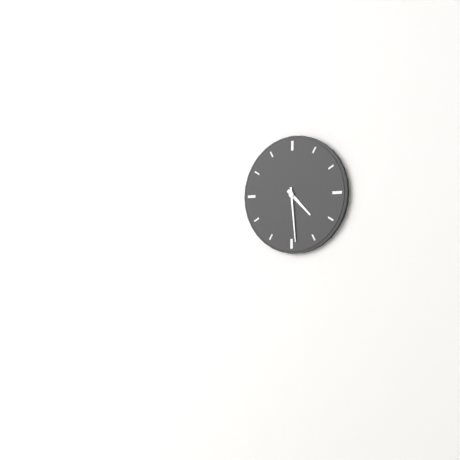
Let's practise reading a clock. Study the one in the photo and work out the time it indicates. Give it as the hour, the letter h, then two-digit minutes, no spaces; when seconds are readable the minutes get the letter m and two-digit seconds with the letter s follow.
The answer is 4h29
